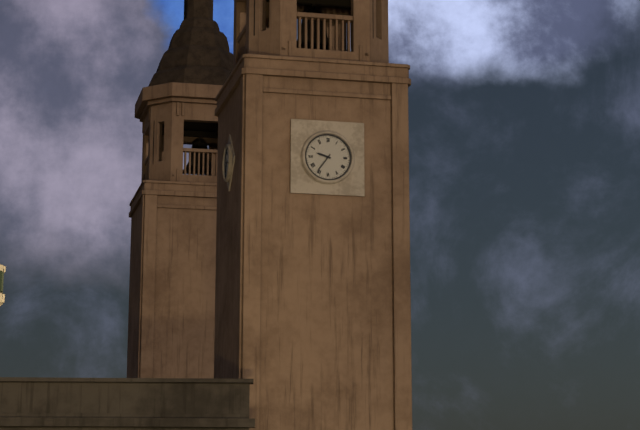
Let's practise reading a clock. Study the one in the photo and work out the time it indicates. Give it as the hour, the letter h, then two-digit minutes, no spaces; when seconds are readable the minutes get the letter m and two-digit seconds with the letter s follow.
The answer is 9h36
